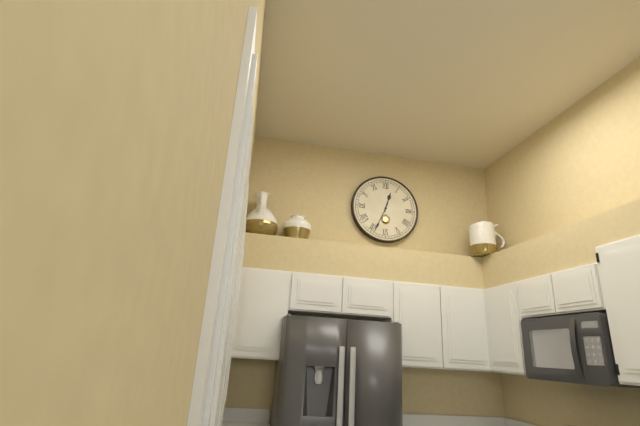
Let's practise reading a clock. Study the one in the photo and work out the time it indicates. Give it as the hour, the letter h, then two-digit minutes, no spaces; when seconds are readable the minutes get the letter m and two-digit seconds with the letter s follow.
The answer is 12h34
